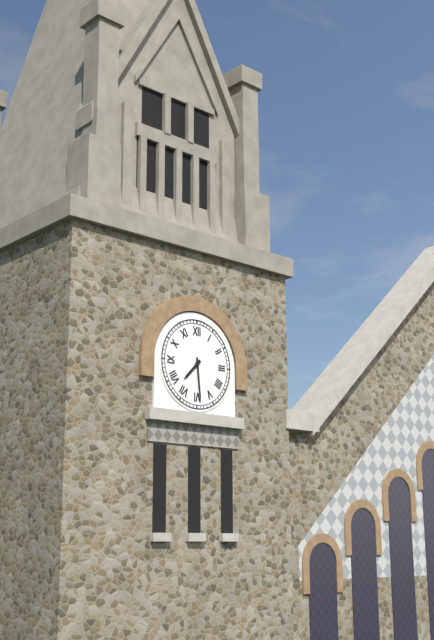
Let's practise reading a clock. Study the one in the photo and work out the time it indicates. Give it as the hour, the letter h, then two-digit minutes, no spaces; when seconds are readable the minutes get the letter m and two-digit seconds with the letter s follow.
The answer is 7h29
